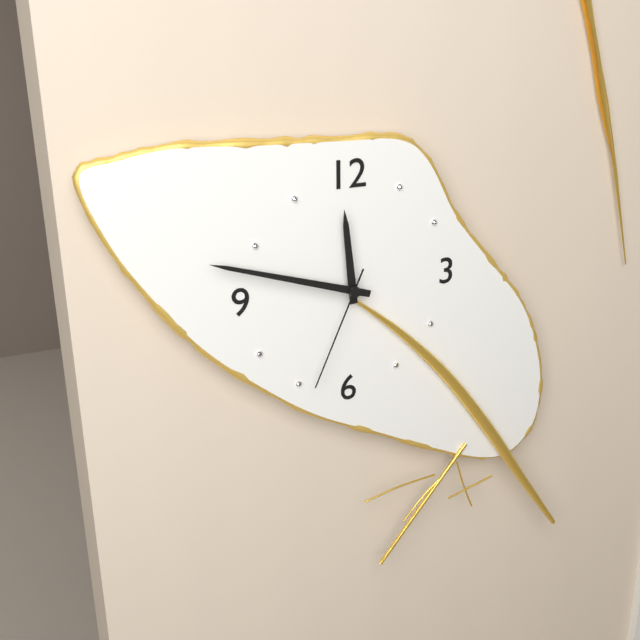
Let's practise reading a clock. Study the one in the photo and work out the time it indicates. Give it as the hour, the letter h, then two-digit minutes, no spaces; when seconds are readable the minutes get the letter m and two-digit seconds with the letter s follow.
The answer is 11h48m34s
